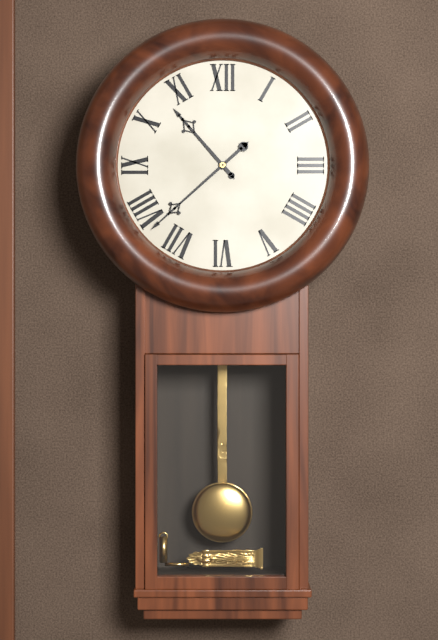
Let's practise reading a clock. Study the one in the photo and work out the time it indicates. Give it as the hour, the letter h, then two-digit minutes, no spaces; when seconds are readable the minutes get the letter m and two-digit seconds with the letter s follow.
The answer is 10h38
